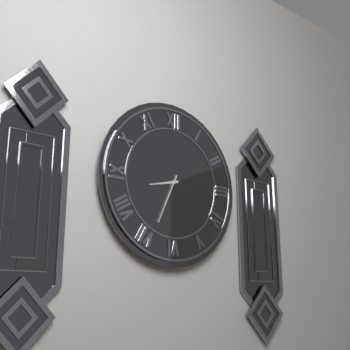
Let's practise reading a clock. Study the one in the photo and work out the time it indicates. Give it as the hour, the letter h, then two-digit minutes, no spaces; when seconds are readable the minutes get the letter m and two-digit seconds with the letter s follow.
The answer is 8h34
